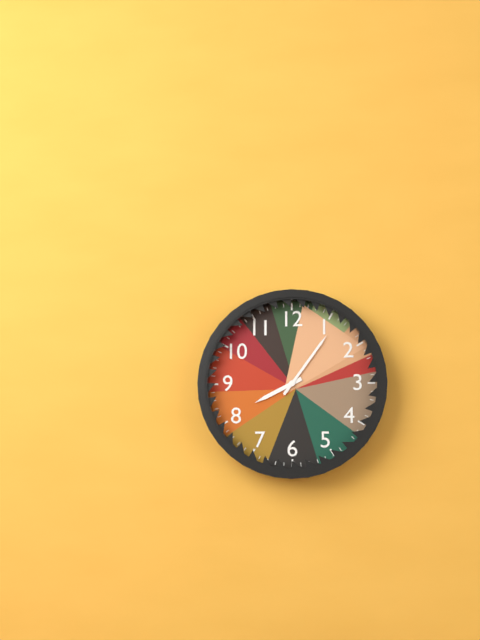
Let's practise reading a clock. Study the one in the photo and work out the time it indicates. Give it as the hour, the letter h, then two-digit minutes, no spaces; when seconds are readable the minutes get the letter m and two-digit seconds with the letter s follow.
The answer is 8h06
